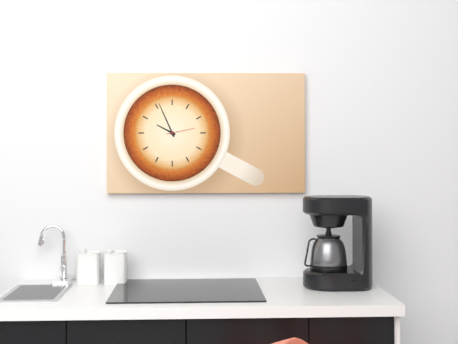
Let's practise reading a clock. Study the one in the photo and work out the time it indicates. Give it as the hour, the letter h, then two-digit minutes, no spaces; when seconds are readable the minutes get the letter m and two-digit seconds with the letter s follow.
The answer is 9h56
